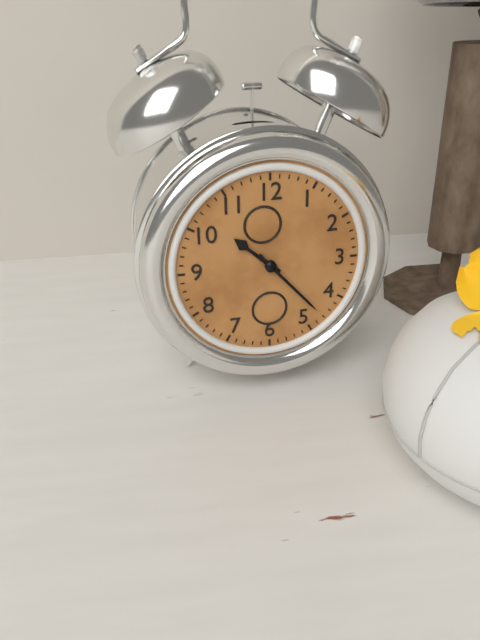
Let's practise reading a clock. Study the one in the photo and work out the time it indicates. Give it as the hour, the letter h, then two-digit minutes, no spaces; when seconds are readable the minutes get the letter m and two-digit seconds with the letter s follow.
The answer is 10h23
